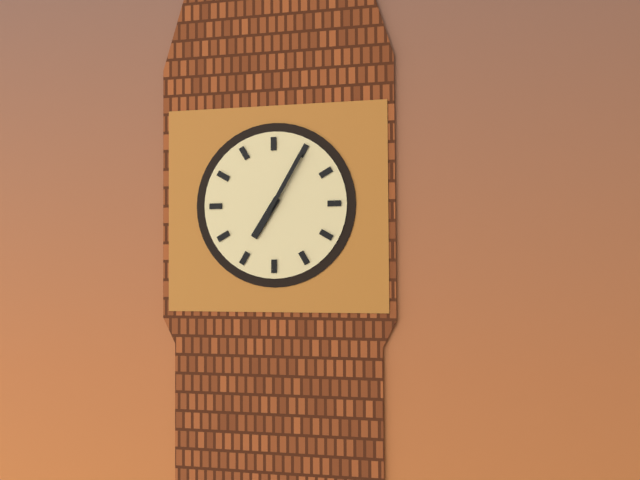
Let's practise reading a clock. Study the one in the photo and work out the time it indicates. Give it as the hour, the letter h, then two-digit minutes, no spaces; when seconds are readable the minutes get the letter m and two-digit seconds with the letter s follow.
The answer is 7h05
